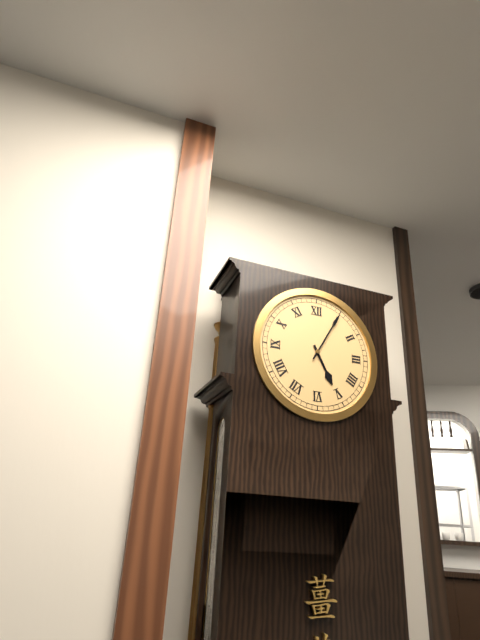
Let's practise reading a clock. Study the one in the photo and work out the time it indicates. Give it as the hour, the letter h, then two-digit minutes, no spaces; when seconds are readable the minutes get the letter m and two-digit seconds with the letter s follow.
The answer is 5h05
